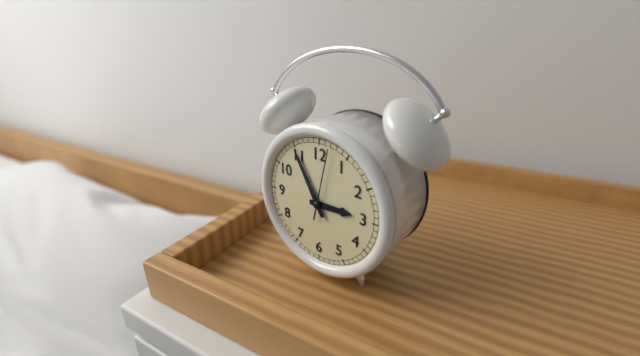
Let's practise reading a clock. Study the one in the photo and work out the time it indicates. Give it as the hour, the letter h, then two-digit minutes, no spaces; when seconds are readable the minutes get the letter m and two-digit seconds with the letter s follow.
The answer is 2h55m02s
